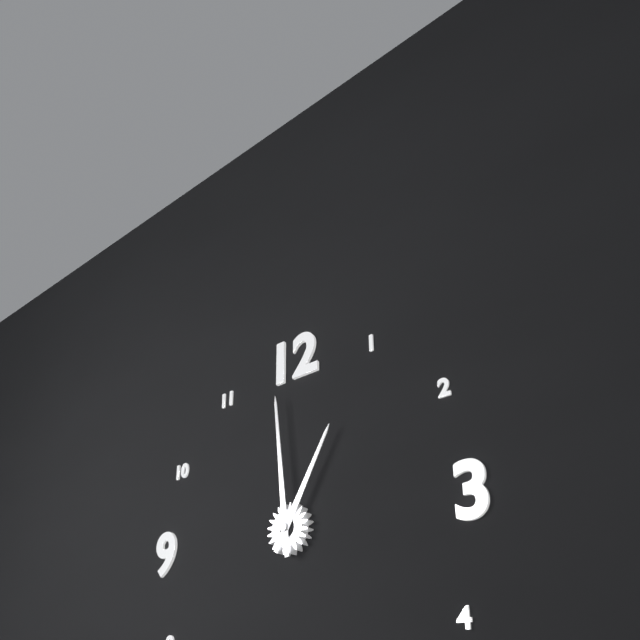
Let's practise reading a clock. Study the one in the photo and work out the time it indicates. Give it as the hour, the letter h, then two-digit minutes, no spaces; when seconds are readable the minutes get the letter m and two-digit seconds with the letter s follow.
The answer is 12h59
